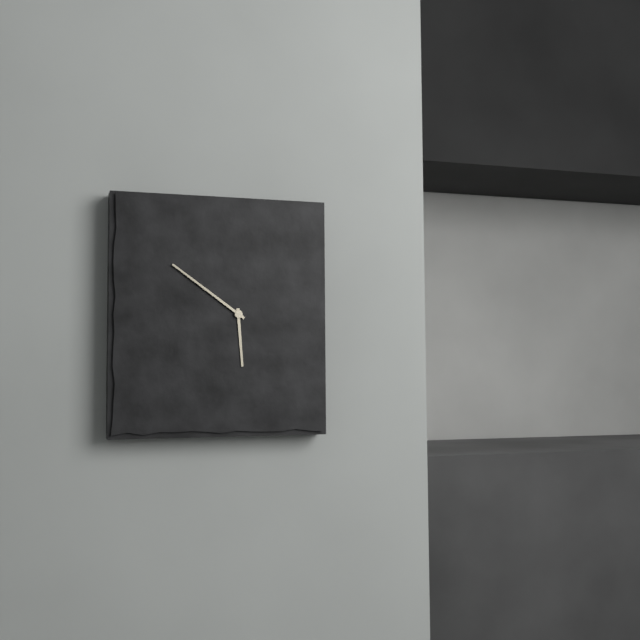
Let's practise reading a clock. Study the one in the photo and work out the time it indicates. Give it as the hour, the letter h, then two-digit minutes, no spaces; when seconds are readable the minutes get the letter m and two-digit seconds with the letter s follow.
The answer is 5h51
